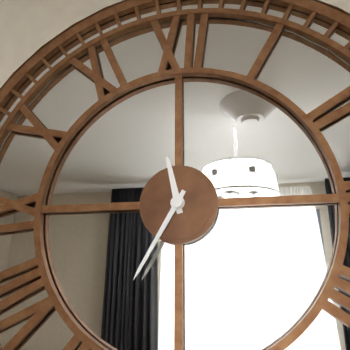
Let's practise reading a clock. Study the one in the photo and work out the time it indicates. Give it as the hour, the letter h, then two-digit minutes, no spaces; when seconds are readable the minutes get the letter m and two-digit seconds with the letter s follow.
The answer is 11h35
